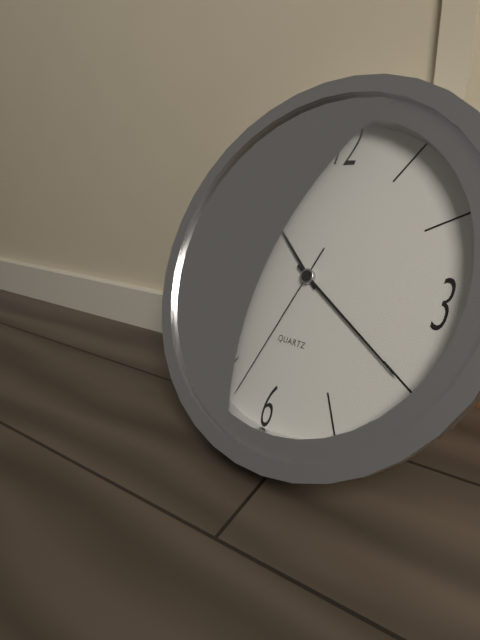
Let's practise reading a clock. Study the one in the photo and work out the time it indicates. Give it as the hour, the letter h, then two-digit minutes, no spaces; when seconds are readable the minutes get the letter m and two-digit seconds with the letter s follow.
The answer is 10h20m33s
